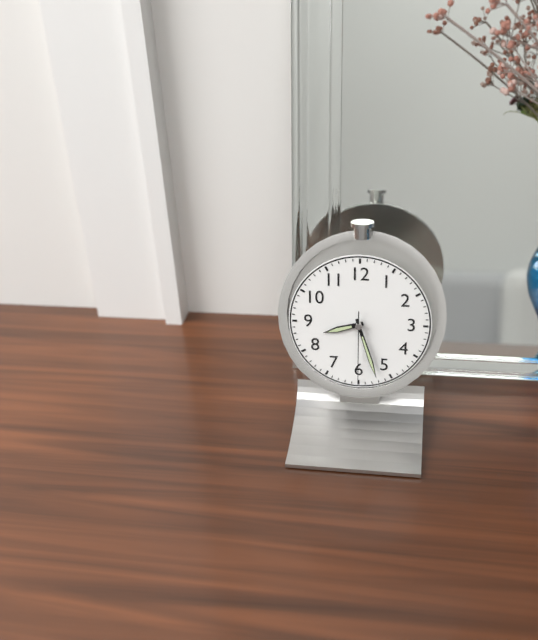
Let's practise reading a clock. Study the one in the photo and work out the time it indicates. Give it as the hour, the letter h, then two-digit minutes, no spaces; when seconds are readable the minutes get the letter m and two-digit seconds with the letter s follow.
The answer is 8h27m30s
